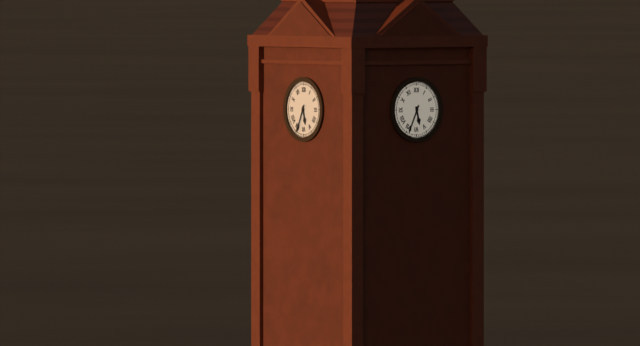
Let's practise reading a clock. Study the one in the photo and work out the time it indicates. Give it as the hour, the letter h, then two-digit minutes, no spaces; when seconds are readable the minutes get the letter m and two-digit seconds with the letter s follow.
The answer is 5h34
